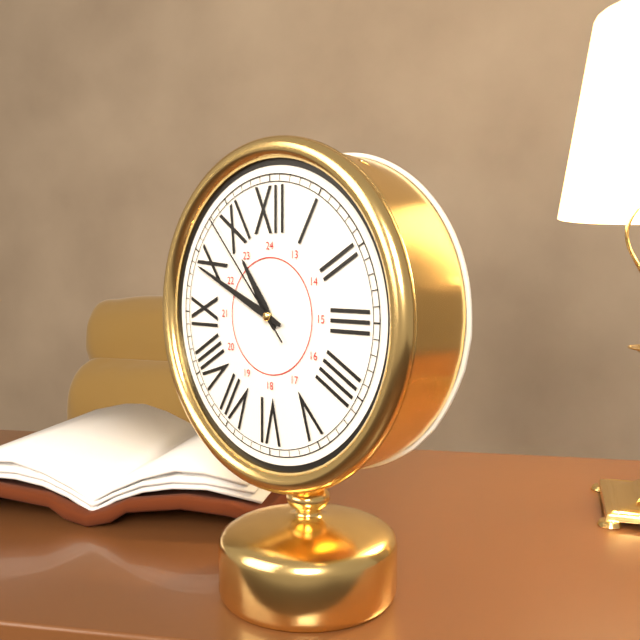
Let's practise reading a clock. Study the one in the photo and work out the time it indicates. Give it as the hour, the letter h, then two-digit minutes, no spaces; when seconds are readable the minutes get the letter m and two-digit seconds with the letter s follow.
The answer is 10h49m53s
